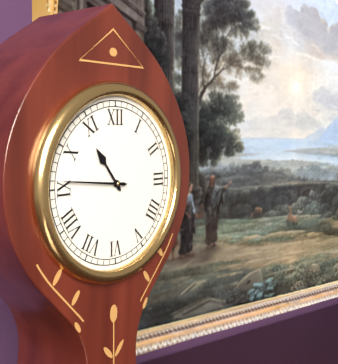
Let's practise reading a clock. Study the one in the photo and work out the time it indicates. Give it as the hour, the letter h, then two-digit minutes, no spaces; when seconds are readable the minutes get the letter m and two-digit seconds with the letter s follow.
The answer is 10h46
